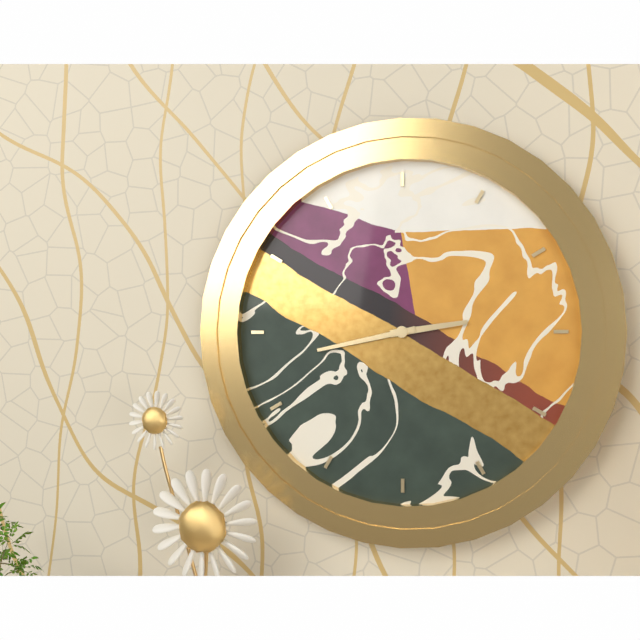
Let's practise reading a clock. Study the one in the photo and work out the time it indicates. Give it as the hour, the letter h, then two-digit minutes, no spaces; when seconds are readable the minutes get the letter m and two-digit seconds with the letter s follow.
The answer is 2h43
